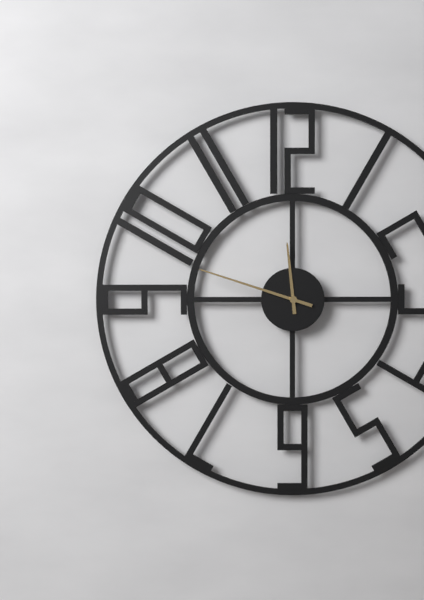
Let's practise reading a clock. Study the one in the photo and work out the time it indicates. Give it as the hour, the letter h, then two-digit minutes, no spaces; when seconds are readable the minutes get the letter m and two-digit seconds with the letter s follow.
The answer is 11h48
